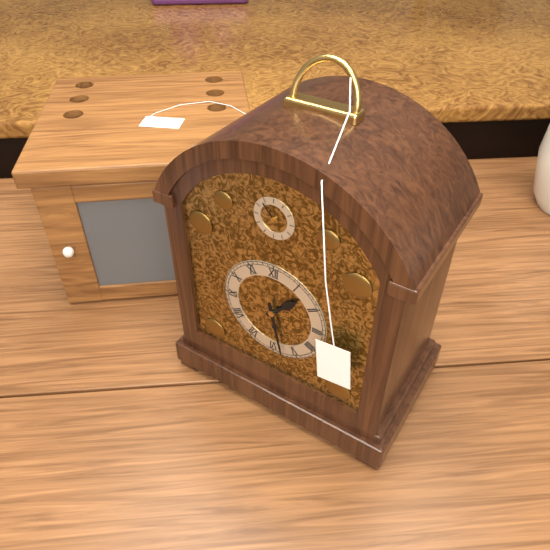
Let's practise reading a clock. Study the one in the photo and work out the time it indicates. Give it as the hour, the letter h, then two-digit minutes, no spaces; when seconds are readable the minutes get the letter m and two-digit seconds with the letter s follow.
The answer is 1h28
